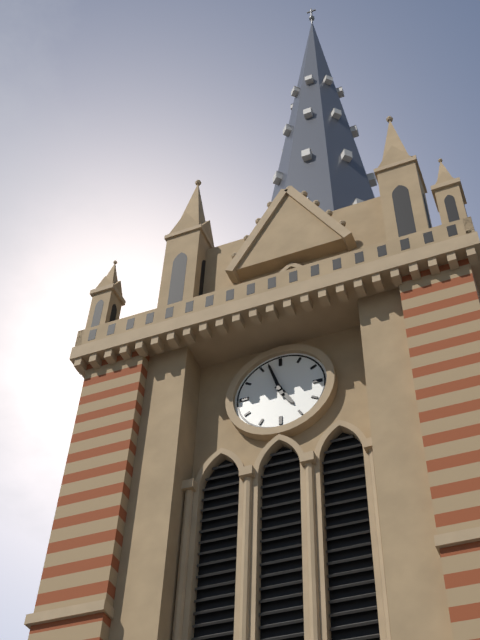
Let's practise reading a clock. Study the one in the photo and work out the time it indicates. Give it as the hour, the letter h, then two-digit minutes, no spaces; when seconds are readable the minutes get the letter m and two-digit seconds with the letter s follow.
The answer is 4h57
